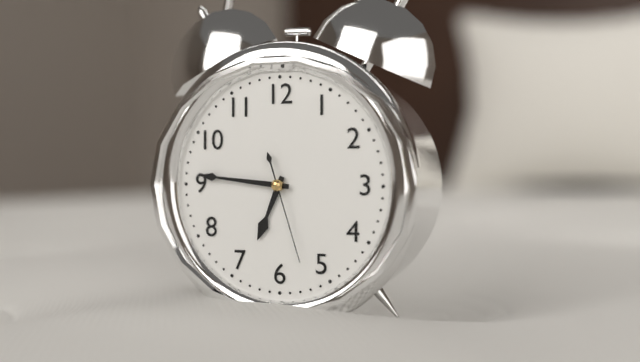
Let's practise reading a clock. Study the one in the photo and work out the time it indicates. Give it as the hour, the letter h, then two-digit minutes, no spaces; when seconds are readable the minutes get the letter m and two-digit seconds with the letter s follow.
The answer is 6h46m27s
